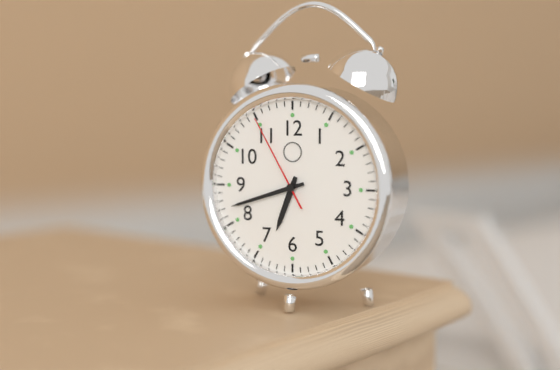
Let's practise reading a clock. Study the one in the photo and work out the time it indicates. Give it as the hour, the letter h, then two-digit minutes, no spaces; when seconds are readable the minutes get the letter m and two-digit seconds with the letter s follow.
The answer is 6h42m55s
